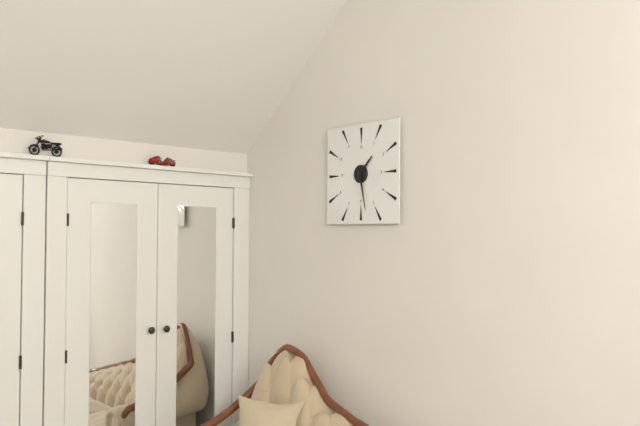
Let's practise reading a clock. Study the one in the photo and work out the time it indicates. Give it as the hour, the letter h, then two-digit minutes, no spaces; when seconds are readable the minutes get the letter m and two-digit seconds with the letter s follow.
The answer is 1h28
